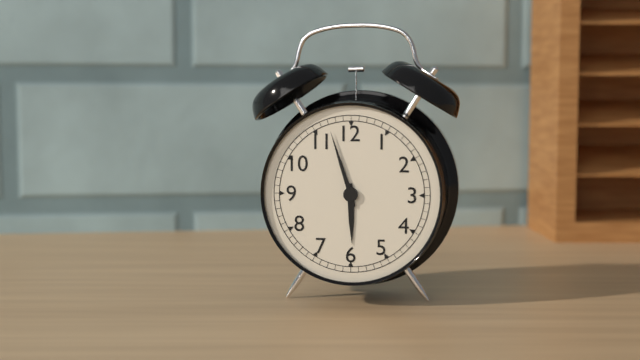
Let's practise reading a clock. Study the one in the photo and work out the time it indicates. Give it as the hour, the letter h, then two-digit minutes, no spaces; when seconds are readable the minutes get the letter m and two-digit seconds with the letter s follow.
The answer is 5h57
